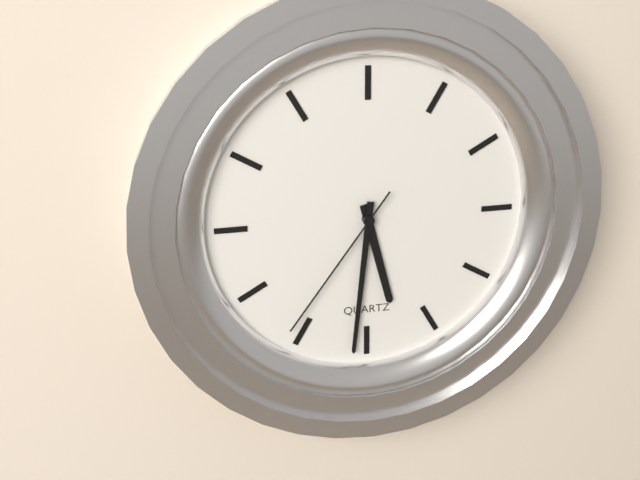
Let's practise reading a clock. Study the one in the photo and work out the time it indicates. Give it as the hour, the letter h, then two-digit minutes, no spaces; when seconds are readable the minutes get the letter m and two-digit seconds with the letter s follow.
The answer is 5h31m36s
